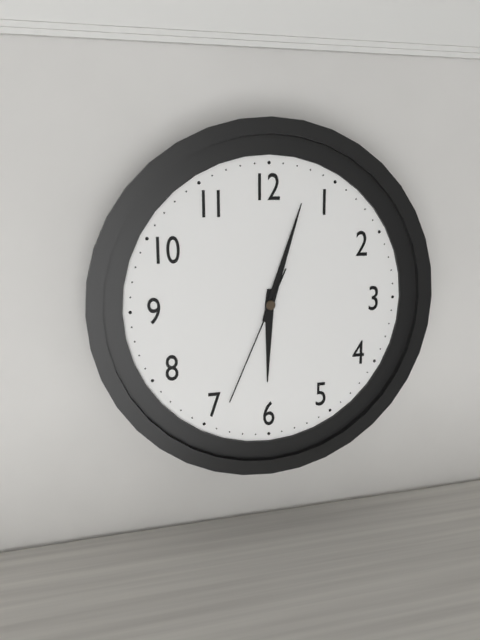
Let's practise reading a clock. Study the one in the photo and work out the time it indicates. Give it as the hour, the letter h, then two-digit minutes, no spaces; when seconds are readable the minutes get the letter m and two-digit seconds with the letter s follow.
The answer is 6h03m34s
